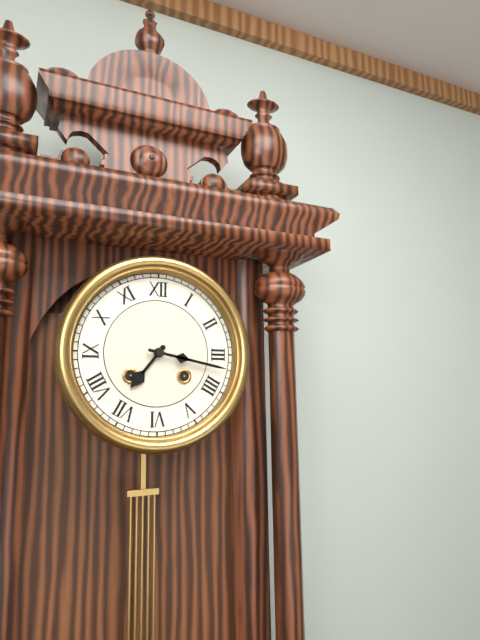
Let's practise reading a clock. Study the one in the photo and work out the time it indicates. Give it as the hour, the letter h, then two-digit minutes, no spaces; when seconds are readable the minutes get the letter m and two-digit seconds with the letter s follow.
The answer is 7h17
